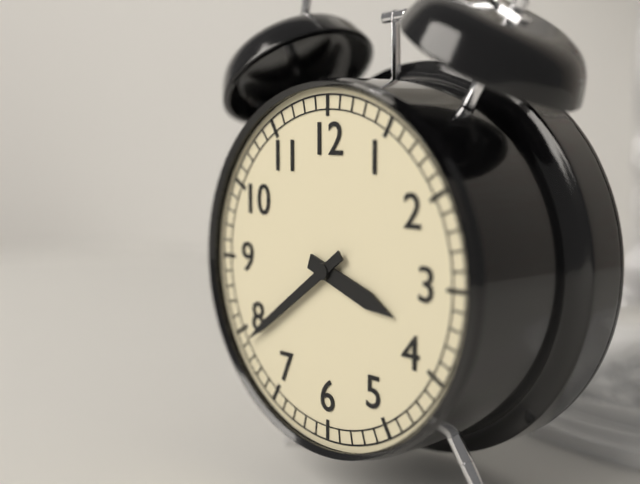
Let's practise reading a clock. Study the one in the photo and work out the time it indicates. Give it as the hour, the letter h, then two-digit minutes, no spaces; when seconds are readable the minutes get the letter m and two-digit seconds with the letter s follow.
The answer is 3h39
